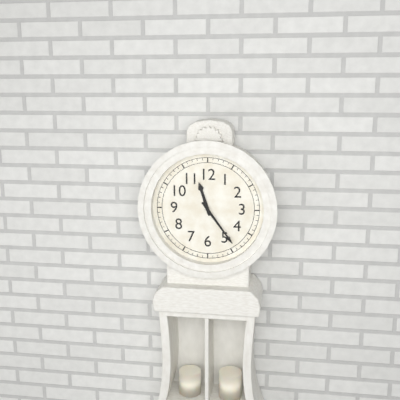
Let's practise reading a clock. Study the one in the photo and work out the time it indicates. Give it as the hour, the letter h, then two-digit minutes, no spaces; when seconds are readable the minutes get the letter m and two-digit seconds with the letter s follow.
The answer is 11h24
